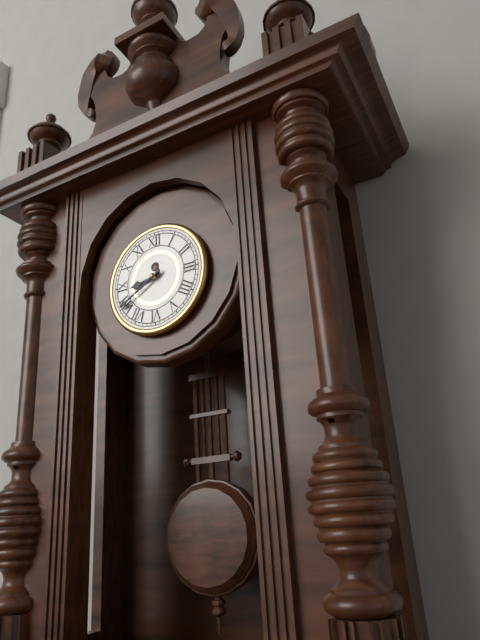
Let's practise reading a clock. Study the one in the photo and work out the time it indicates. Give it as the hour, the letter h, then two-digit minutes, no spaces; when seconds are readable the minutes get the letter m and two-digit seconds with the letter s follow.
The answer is 8h40
